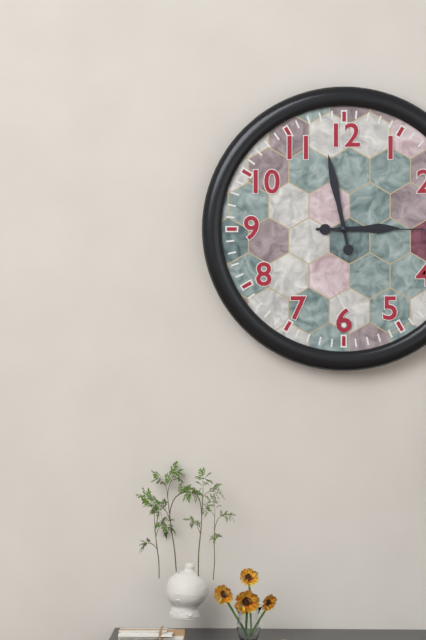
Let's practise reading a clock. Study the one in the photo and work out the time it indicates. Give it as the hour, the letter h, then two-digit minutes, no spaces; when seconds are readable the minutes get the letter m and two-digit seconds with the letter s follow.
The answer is 2h58m15s
